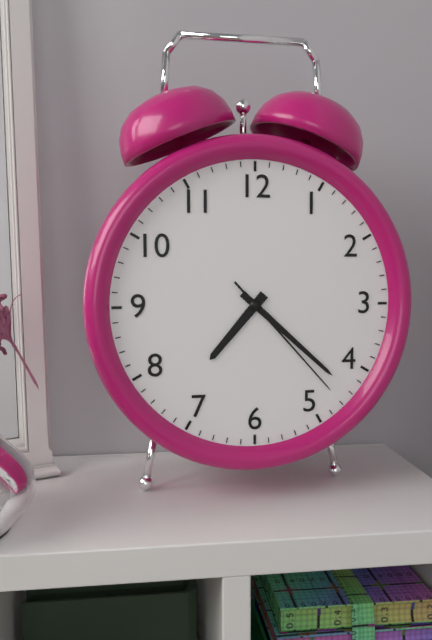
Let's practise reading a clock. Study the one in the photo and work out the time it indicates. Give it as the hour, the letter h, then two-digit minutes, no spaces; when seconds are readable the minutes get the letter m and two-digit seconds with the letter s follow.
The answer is 7h22m23s
